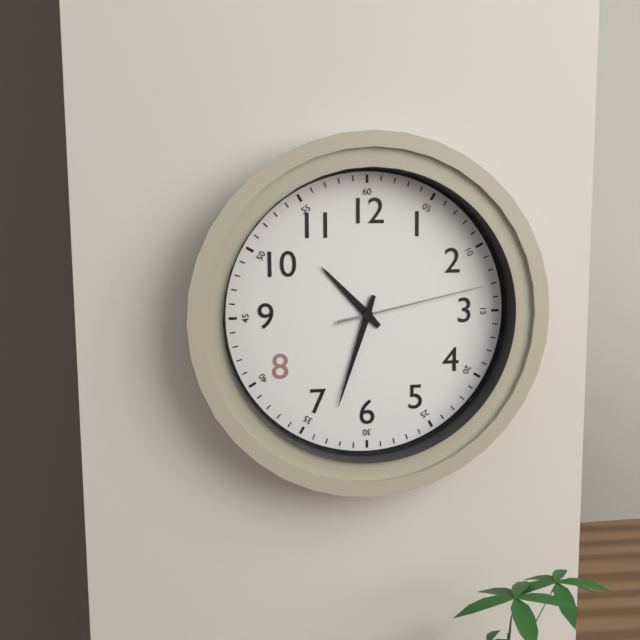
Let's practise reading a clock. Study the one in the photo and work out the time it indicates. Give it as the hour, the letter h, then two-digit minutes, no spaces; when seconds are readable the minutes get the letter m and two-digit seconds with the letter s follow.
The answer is 10h33m13s
